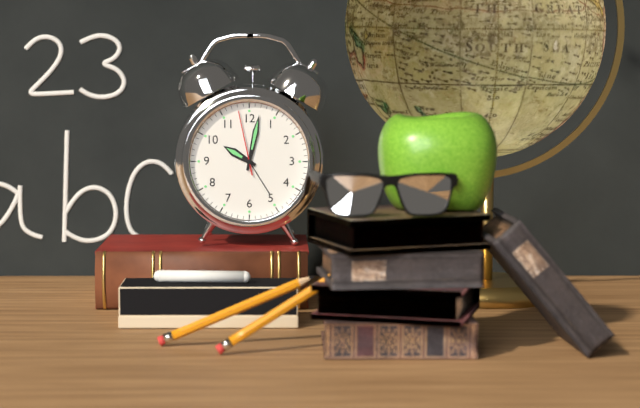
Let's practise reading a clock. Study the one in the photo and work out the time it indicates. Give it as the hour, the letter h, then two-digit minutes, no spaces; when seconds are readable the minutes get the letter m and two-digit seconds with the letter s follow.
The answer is 10h02m58s
